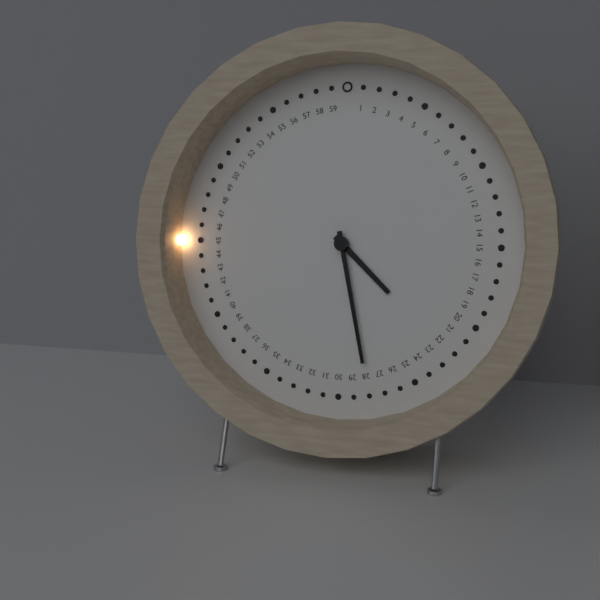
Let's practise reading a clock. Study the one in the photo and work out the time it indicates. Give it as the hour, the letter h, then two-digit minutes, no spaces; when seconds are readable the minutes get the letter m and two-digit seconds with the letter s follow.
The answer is 4h28
